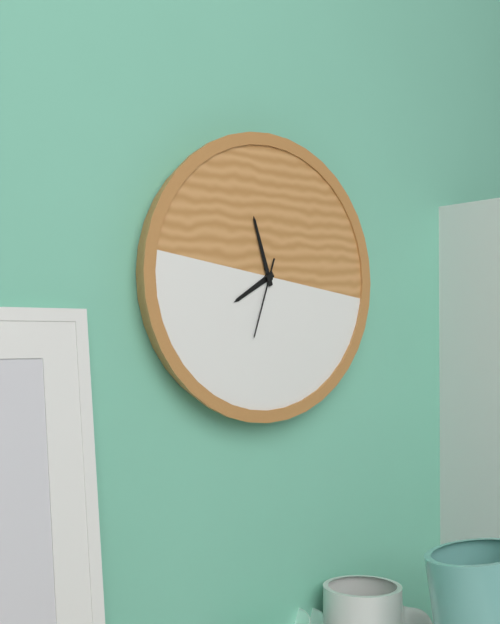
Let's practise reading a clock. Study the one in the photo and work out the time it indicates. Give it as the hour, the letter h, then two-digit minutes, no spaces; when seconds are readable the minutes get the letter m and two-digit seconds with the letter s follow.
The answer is 7h57m33s
